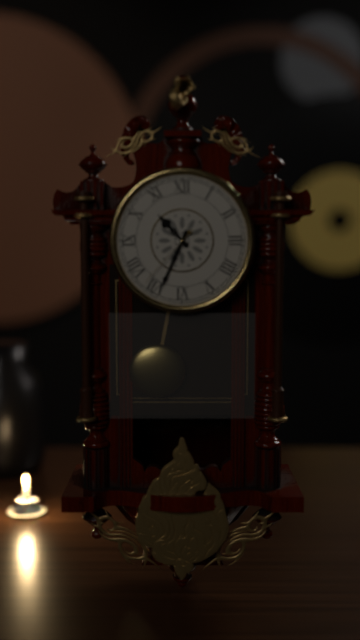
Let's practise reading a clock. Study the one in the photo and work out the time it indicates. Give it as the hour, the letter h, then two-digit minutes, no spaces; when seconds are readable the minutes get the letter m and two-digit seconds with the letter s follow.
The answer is 10h34m37s
